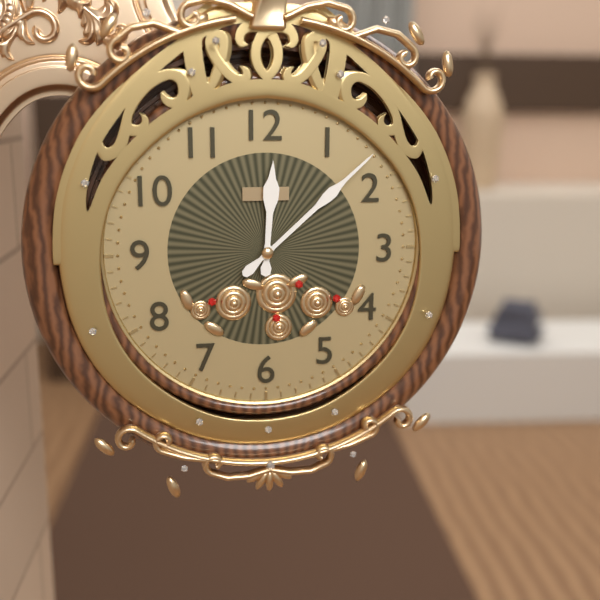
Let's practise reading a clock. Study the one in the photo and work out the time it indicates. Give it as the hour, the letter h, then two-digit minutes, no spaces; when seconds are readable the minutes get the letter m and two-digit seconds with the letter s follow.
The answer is 12h08
